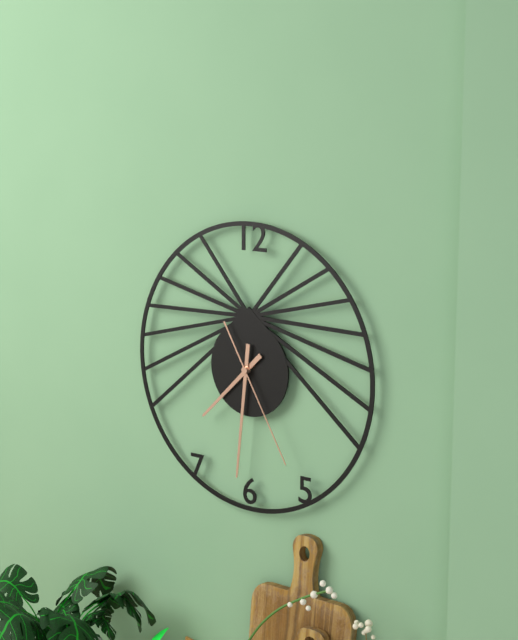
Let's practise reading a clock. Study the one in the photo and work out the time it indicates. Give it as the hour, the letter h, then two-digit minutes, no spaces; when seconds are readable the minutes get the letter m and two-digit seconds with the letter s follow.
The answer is 7h31m25s
